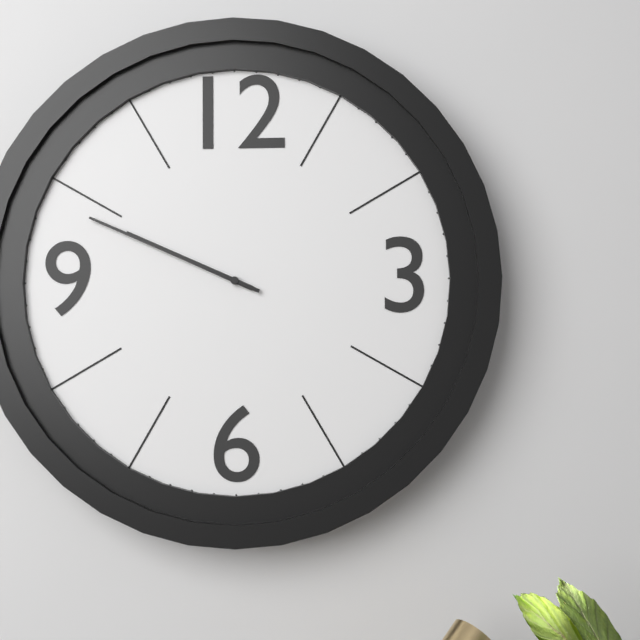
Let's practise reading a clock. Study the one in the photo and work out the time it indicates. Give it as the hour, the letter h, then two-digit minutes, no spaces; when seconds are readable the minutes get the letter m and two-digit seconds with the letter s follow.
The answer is 9h49
